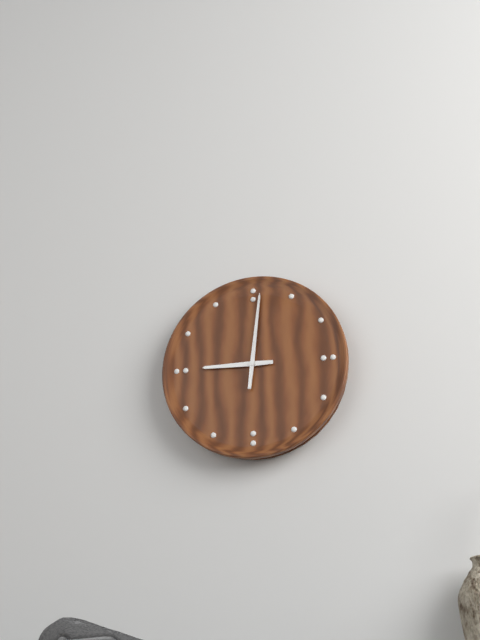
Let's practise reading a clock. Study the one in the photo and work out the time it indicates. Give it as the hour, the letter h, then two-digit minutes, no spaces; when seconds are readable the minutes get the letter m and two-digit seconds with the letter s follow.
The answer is 9h01
